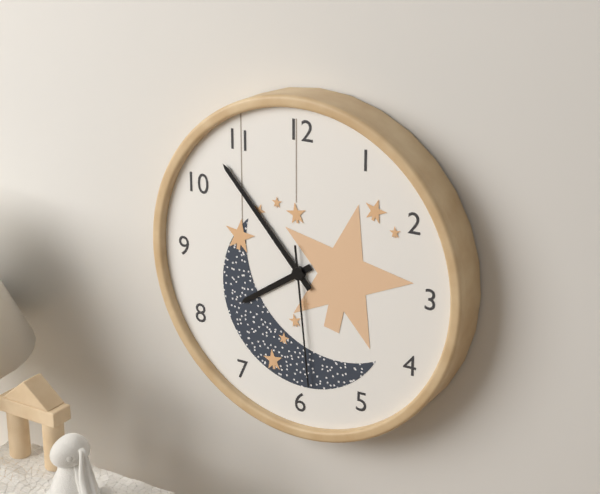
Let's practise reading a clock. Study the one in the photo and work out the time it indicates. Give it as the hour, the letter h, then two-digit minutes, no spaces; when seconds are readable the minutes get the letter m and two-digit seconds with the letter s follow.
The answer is 7h53m29s
